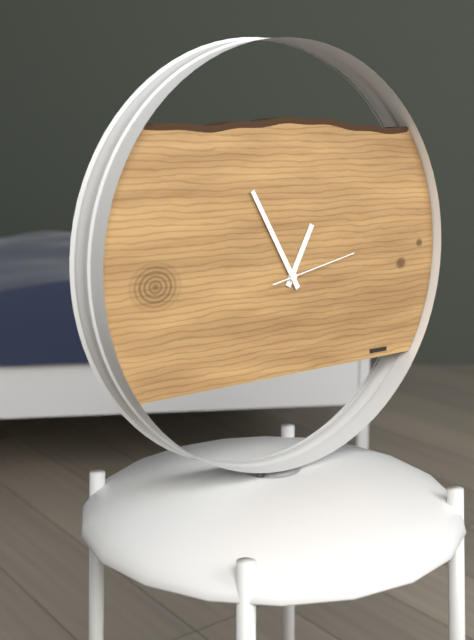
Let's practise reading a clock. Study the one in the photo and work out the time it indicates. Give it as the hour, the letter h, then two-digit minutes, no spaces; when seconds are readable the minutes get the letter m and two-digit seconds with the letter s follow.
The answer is 12h55m13s
